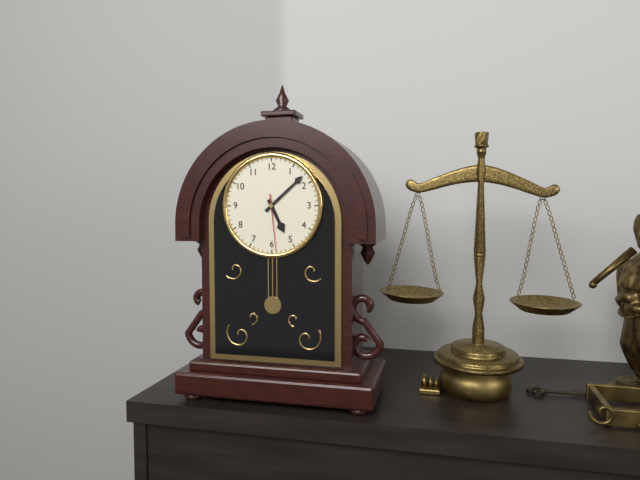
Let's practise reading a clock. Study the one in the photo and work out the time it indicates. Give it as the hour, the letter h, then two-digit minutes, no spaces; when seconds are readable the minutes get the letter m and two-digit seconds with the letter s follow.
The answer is 5h08m29s
